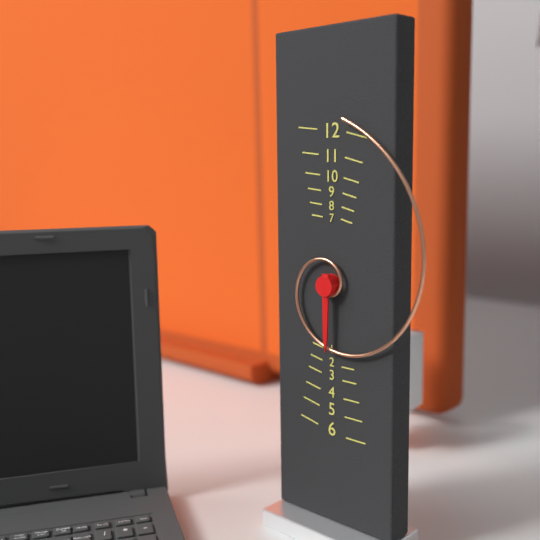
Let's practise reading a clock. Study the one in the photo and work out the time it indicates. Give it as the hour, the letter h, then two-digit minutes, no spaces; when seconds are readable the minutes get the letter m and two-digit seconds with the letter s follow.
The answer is 6h01
